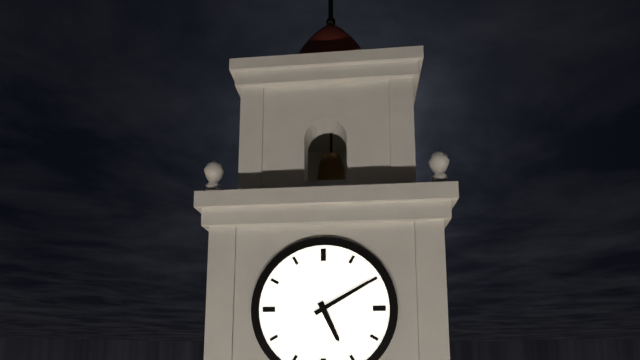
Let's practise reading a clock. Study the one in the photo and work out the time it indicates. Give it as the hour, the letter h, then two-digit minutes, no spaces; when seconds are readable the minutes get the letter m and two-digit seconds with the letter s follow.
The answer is 5h10
